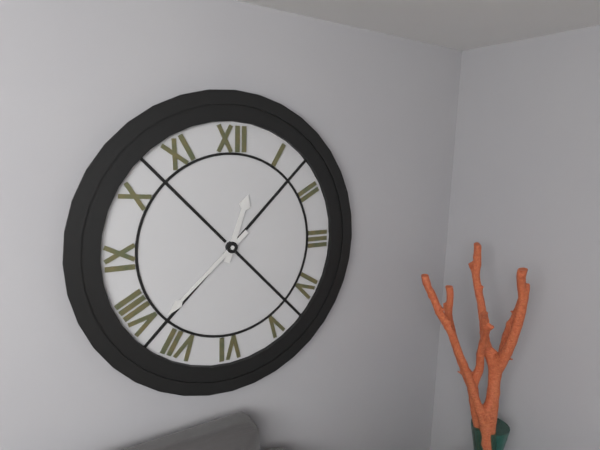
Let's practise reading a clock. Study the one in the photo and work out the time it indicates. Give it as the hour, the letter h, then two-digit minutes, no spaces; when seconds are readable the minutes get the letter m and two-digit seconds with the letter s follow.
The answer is 12h38
